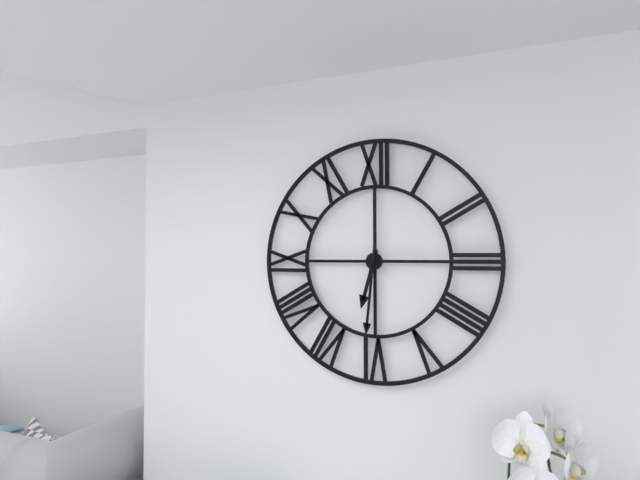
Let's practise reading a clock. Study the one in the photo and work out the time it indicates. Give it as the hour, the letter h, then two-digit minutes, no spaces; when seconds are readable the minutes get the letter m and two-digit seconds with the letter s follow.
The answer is 6h31
